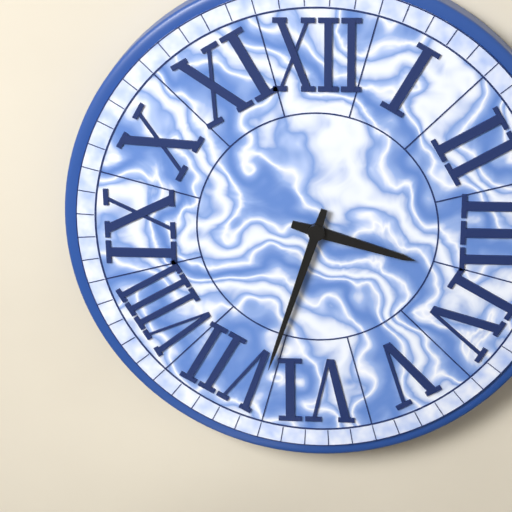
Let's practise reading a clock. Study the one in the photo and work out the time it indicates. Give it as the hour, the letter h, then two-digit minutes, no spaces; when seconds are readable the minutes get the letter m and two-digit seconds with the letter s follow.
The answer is 3h33
